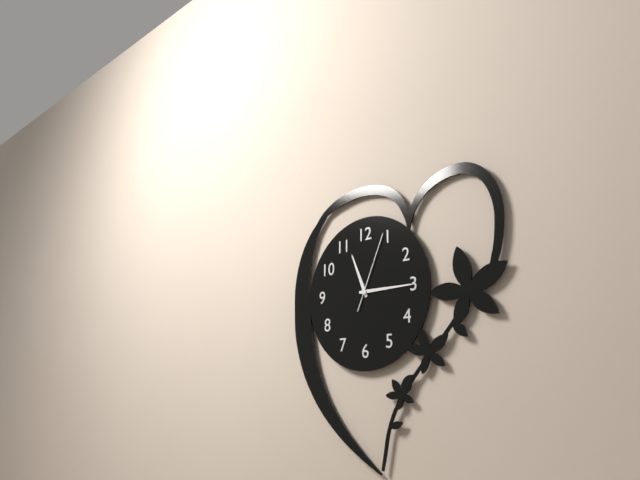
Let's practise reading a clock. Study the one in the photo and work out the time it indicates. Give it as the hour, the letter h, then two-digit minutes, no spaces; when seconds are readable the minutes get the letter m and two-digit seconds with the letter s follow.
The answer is 11h15m04s
